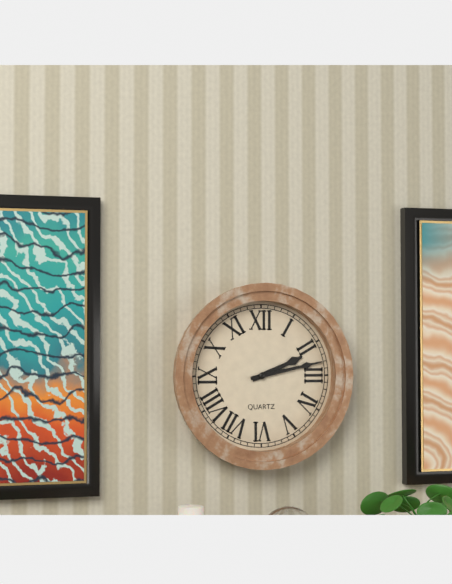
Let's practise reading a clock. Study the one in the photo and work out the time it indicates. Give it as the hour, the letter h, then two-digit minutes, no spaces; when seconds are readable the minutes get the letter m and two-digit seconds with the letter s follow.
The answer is 2h13
